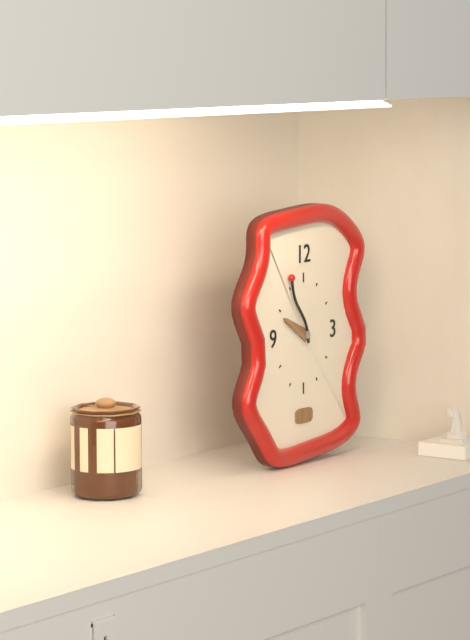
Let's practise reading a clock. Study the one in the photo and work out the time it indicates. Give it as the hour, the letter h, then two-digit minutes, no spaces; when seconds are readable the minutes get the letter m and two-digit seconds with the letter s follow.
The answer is 9h56
